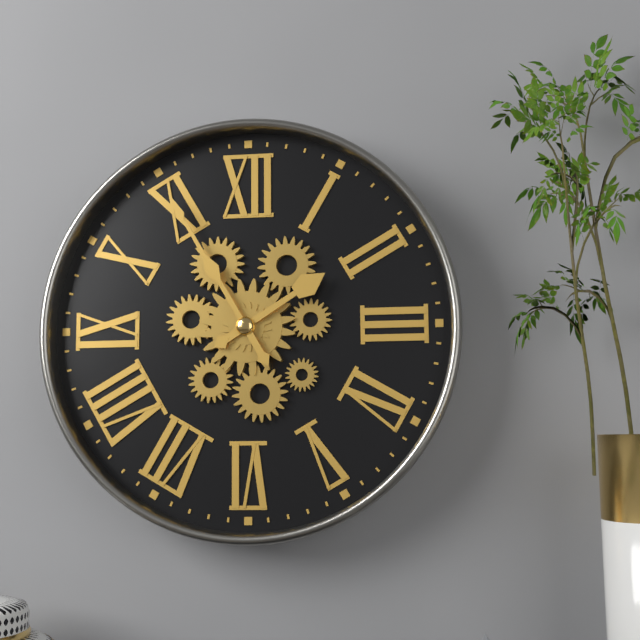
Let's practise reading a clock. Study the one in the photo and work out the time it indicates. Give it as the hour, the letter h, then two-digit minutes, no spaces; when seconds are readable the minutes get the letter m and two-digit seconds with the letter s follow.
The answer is 1h55
